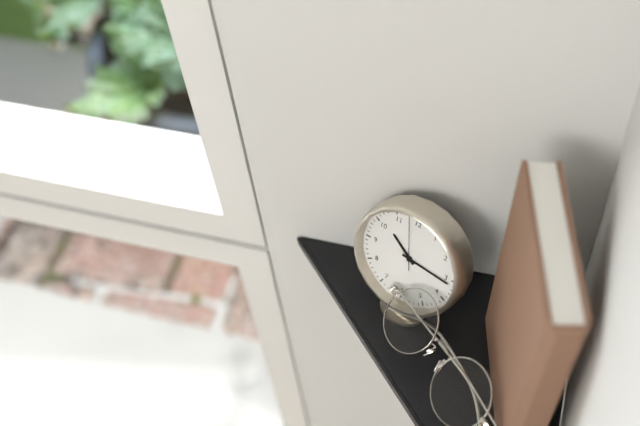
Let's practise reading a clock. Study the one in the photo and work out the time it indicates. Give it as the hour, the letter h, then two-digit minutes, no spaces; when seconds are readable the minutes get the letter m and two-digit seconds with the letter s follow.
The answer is 10h16m58s
